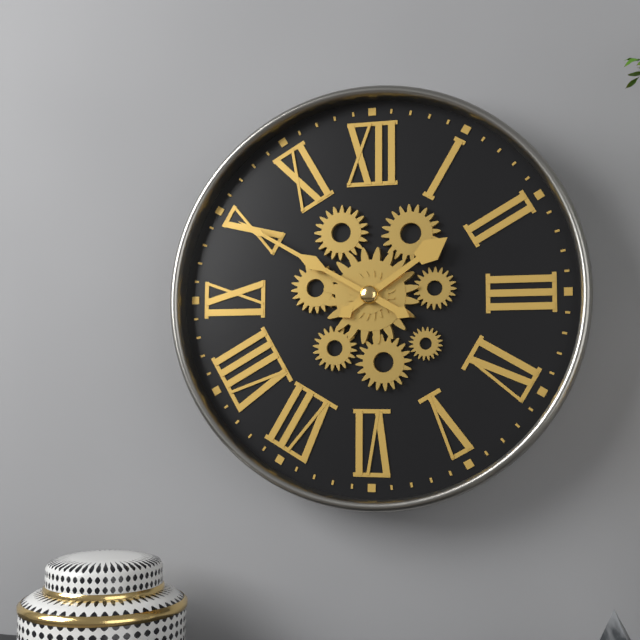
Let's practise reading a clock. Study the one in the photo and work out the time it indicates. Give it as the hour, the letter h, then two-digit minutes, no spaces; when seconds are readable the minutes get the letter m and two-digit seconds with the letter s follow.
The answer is 1h50
